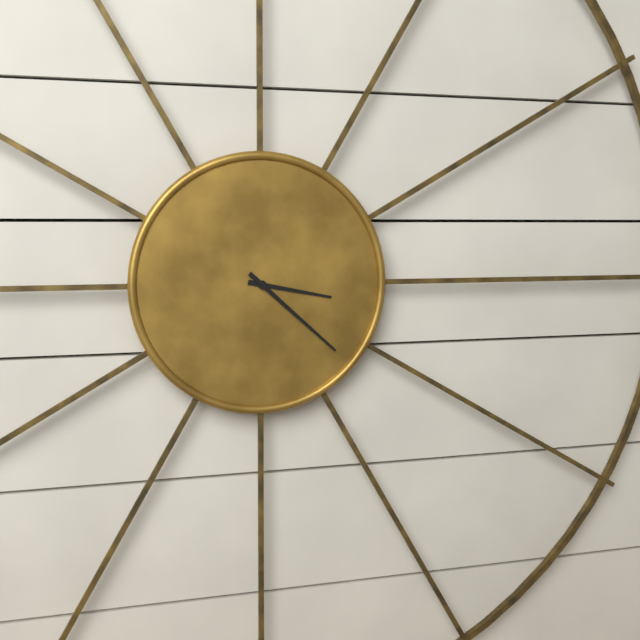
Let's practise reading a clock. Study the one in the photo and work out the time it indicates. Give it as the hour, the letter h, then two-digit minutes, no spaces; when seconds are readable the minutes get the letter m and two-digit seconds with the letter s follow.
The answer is 3h22
